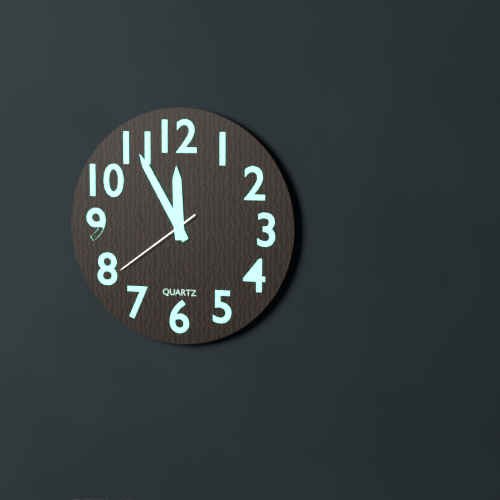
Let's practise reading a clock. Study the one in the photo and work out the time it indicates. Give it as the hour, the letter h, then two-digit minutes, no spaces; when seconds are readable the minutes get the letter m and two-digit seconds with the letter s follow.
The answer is 11h55m39s
